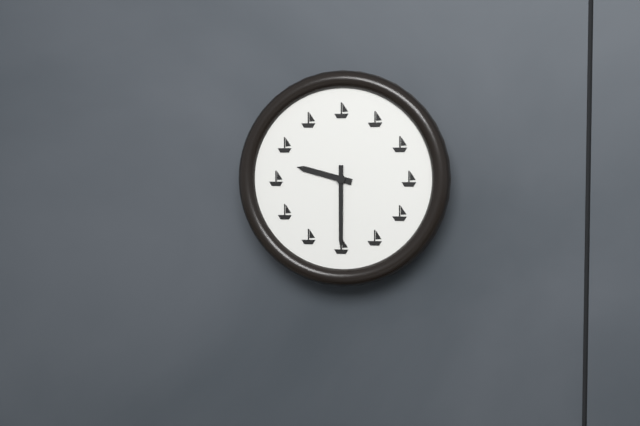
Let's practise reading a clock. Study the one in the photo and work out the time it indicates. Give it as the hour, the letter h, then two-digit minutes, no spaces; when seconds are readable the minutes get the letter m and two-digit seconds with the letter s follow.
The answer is 9h30
